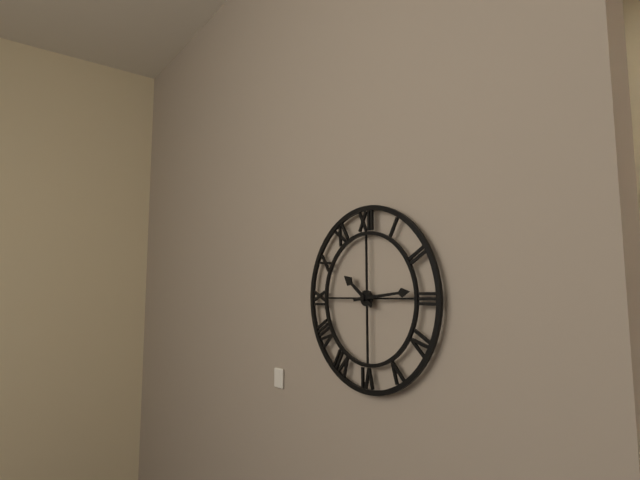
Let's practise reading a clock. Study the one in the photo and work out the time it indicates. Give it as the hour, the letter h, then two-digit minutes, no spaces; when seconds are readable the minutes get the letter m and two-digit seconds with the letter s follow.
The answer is 10h14
